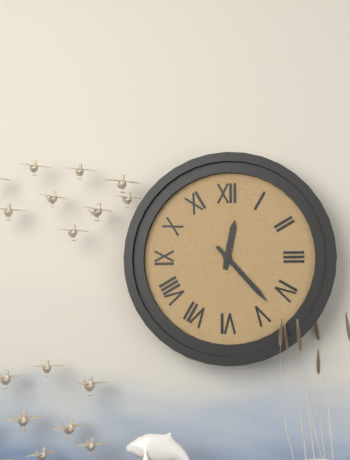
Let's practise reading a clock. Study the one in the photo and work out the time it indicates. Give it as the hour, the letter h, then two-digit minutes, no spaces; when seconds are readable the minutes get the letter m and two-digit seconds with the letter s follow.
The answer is 12h23
